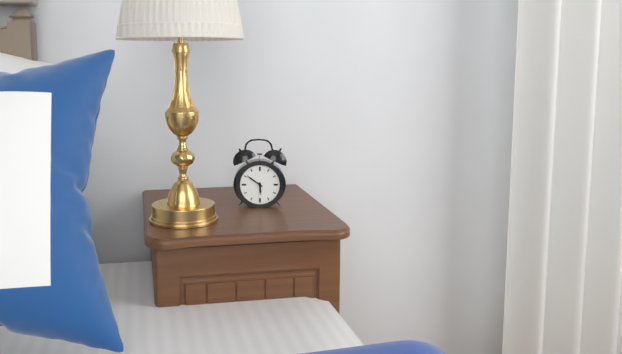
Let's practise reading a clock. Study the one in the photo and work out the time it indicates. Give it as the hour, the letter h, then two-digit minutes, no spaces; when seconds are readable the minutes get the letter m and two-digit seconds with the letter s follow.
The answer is 5h51
